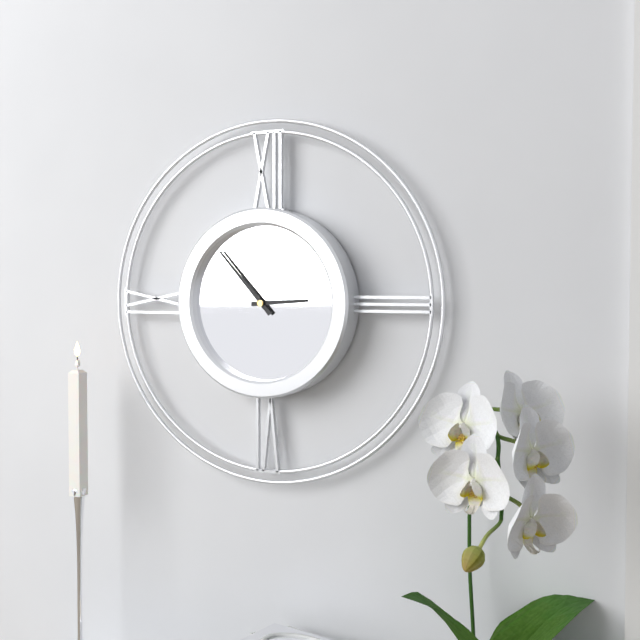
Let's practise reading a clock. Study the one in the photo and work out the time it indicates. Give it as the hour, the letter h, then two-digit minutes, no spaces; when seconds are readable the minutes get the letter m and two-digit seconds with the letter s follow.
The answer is 2h53
